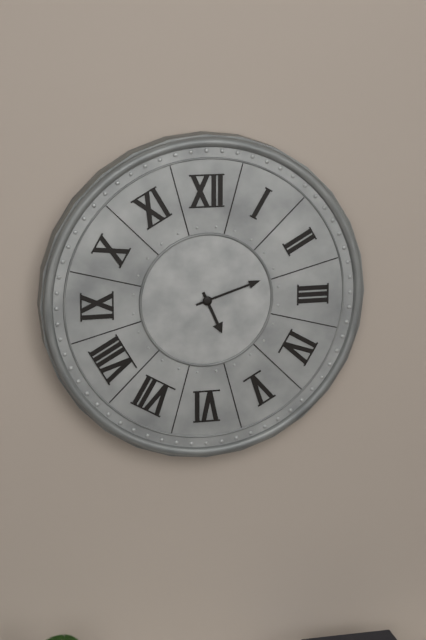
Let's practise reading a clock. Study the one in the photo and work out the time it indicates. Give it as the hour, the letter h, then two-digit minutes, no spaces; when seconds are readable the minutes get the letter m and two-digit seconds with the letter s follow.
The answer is 5h12
